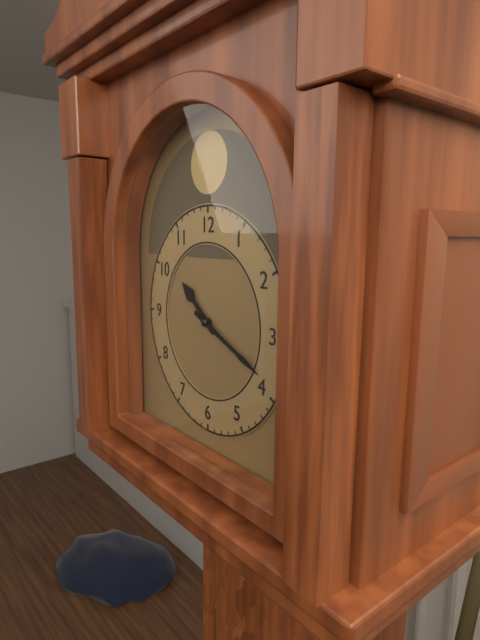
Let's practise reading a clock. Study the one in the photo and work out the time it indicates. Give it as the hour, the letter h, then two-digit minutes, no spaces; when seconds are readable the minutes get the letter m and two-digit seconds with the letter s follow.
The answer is 10h19
